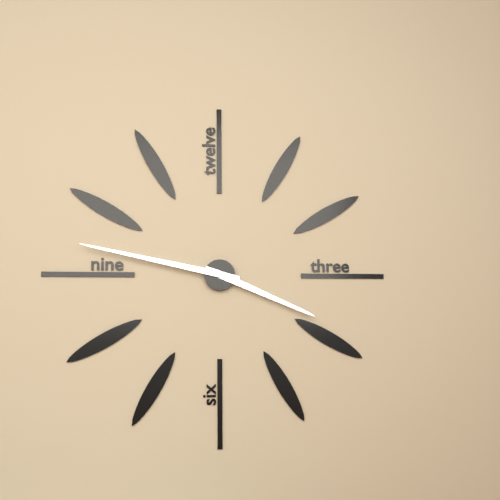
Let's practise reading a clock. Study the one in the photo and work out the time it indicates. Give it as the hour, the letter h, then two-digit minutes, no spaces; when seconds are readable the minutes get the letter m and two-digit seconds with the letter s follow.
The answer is 3h47
